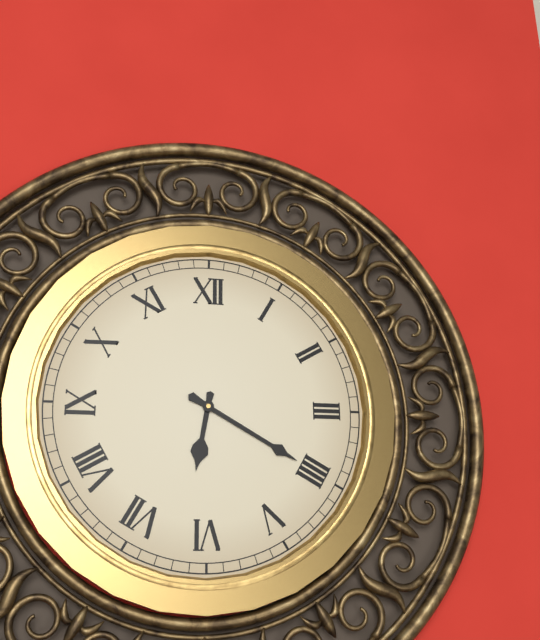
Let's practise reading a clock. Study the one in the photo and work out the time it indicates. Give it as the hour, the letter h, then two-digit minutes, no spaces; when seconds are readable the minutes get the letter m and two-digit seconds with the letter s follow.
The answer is 6h20
